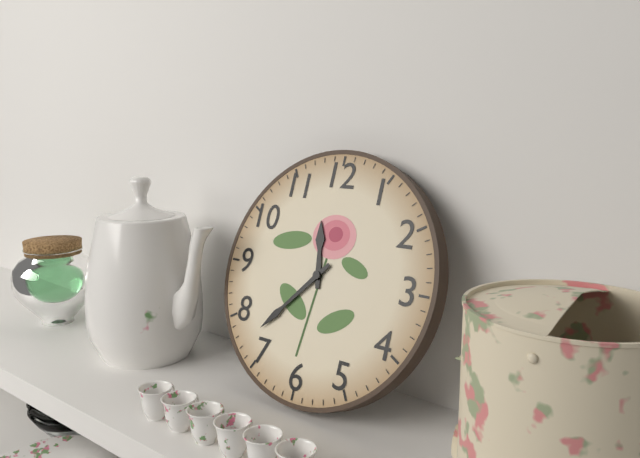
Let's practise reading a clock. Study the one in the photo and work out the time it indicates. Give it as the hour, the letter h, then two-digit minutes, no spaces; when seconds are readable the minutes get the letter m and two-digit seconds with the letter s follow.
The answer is 11h37
